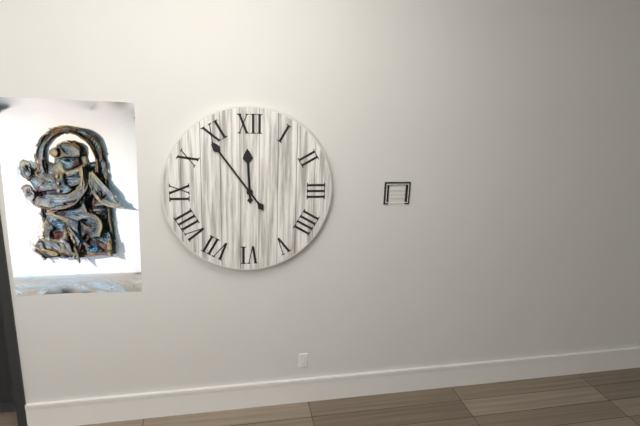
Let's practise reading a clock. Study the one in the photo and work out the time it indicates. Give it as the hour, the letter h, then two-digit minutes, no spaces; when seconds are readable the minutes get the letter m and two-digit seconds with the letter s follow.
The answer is 11h54
